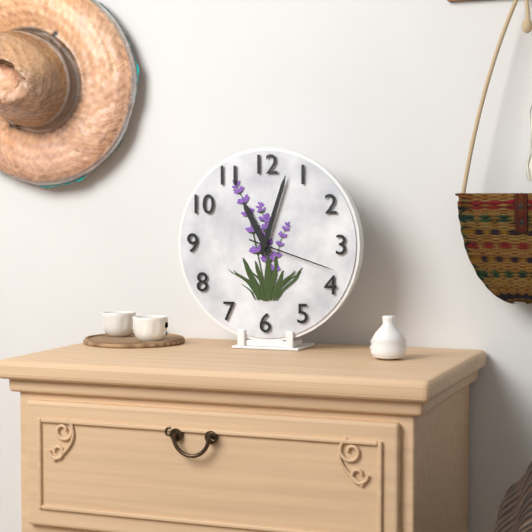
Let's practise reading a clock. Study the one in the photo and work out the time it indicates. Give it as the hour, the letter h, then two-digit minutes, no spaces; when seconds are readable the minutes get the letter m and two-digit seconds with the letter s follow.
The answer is 11h03m18s
